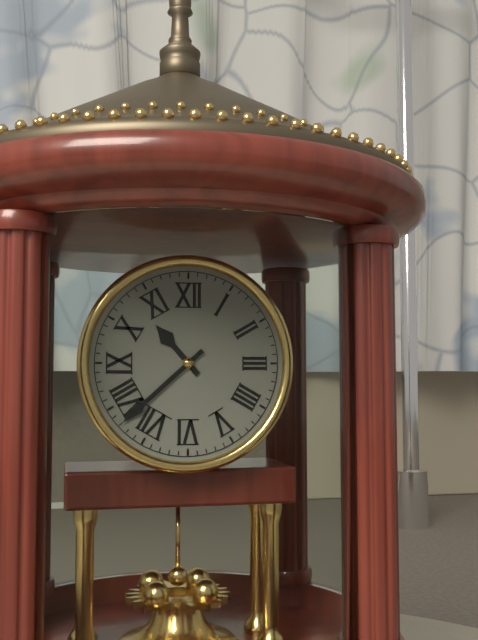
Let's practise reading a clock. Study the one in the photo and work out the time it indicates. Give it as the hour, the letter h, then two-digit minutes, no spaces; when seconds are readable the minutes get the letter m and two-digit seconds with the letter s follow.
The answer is 10h38
